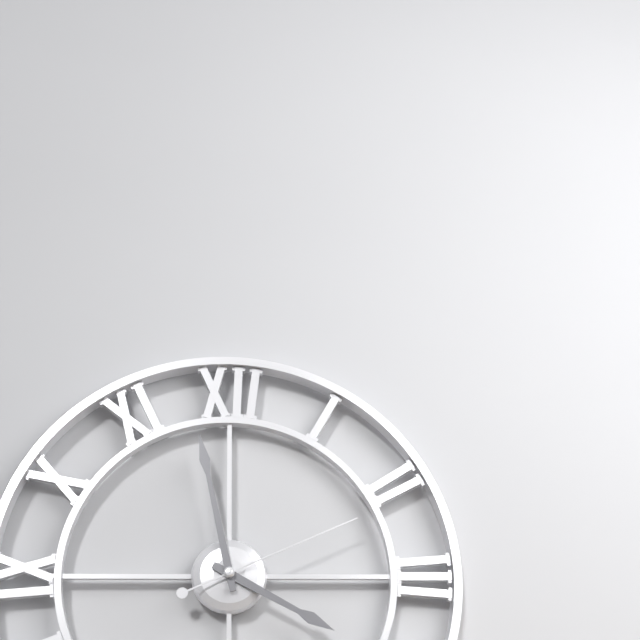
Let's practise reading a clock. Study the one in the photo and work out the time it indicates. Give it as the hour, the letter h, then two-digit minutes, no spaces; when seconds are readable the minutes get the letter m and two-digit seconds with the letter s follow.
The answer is 3h58m11s
